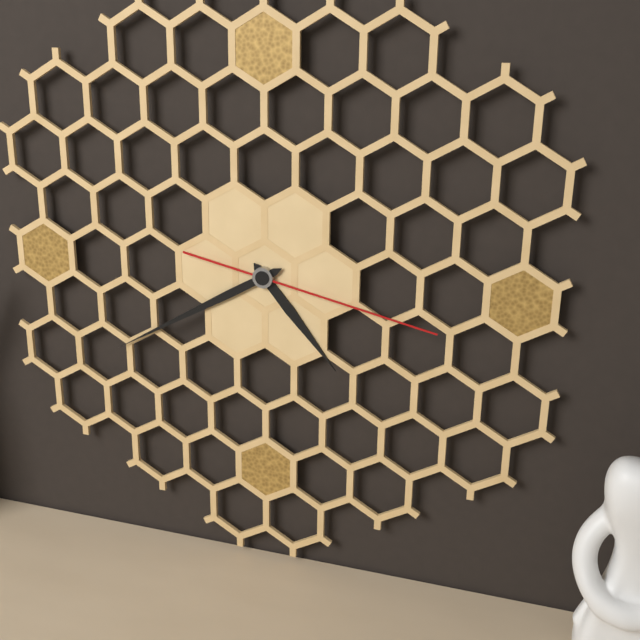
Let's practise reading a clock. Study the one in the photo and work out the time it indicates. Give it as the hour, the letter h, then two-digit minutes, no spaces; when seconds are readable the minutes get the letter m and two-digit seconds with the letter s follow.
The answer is 4h40m17s
